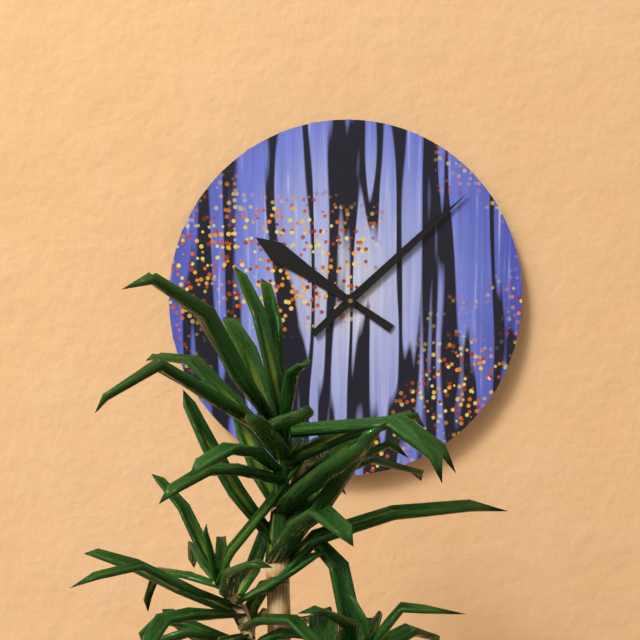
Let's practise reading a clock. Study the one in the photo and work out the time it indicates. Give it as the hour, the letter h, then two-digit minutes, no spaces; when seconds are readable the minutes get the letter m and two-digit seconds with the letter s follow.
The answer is 10h08
